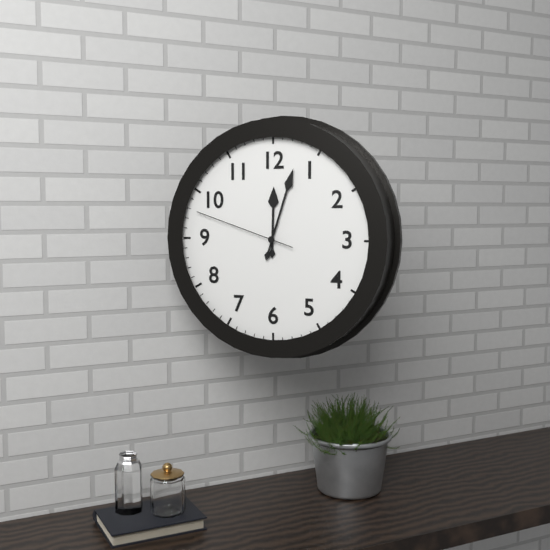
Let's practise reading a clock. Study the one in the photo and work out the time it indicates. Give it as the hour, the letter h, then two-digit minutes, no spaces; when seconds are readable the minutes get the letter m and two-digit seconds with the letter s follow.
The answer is 12h03m48s
